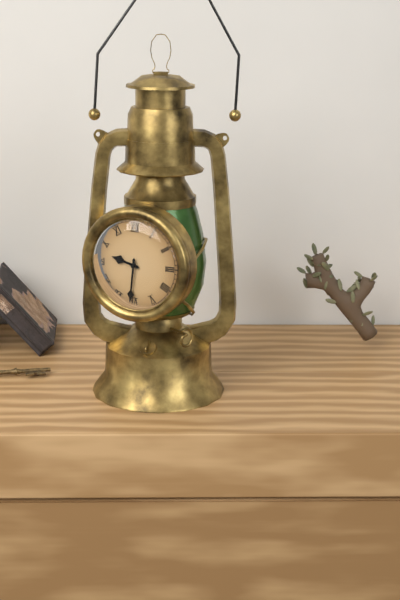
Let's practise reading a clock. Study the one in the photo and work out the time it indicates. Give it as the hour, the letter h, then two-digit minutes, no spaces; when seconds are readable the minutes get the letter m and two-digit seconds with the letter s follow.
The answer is 9h31
